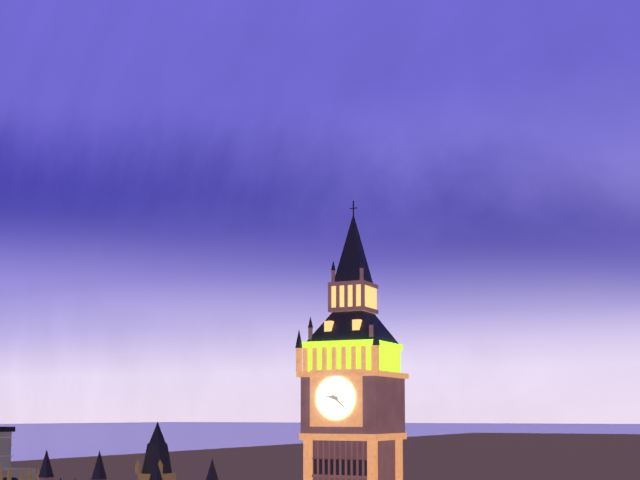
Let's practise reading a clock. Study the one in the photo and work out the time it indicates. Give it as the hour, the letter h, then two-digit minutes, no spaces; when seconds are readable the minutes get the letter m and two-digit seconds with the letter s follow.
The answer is 9h22
